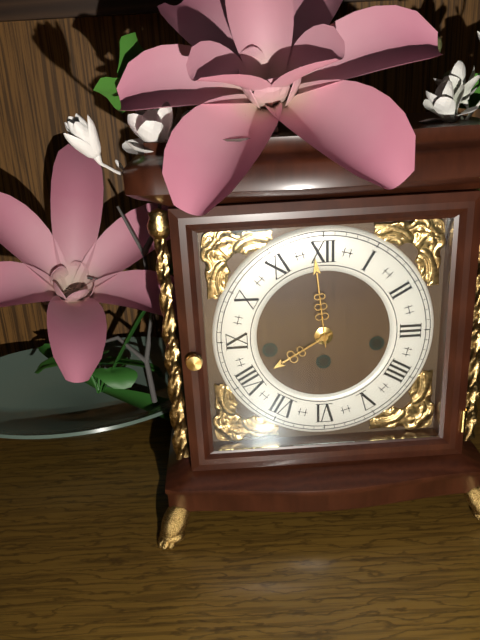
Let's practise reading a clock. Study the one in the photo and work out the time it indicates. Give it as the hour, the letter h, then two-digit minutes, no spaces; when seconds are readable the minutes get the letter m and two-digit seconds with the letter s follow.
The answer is 7h59
